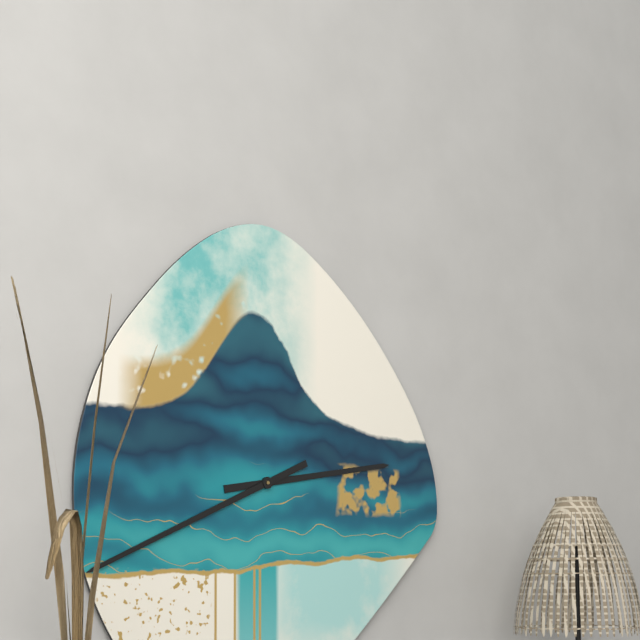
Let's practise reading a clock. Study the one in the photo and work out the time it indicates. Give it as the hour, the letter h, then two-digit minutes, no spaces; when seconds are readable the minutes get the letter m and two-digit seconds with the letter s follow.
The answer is 2h41
